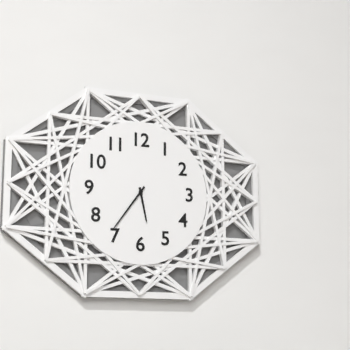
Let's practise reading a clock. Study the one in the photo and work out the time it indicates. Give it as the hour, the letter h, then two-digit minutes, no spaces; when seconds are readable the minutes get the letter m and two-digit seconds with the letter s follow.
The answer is 5h36
